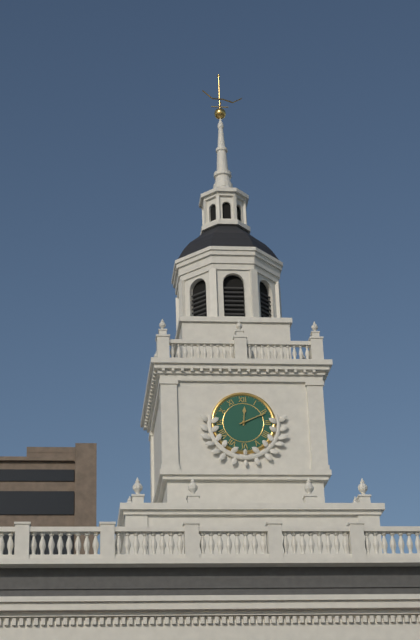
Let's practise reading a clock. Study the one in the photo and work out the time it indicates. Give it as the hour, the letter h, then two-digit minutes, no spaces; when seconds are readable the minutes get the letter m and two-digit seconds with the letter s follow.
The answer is 12h11
